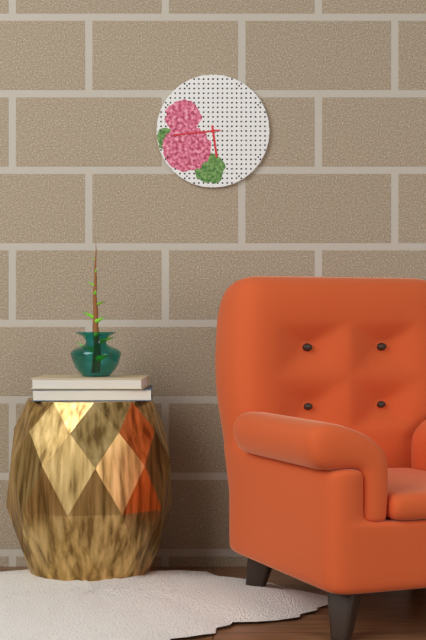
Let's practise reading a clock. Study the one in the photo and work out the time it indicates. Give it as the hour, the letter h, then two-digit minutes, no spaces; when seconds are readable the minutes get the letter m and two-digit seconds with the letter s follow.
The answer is 5h44
